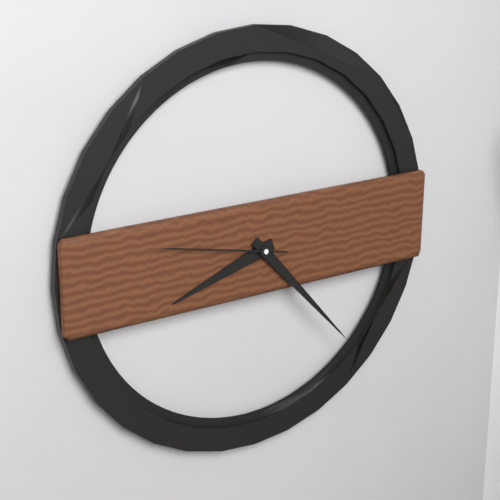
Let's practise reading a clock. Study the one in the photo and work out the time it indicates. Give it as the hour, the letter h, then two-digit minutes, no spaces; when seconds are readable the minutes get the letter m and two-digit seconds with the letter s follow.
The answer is 8h23m47s
